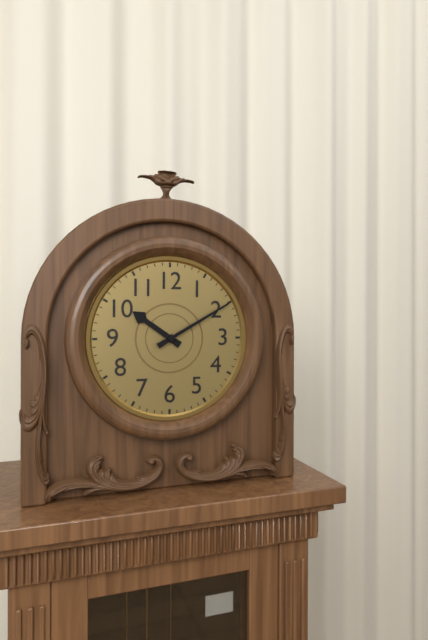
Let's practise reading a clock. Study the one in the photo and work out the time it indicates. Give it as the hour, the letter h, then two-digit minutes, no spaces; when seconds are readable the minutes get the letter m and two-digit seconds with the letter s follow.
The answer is 10h10
